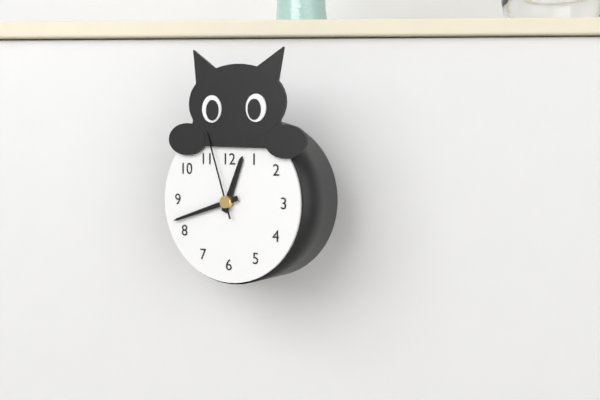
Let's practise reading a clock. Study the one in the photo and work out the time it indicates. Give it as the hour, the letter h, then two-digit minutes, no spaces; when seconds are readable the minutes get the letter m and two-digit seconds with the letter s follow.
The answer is 12h42m57s
